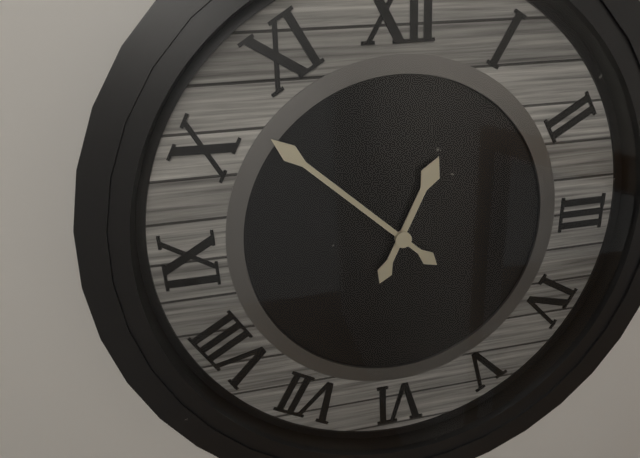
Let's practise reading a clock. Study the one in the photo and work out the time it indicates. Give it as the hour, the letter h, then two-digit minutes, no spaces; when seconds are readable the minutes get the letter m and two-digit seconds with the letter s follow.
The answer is 12h52
